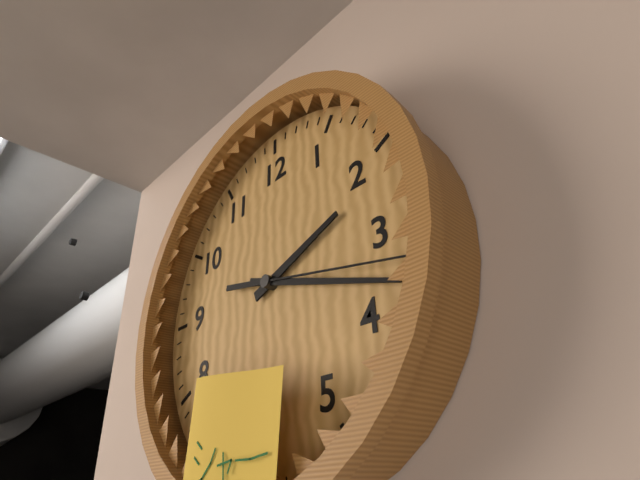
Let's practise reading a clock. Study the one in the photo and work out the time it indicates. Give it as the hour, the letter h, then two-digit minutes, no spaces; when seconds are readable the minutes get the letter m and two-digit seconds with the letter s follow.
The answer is 2h18m17s
